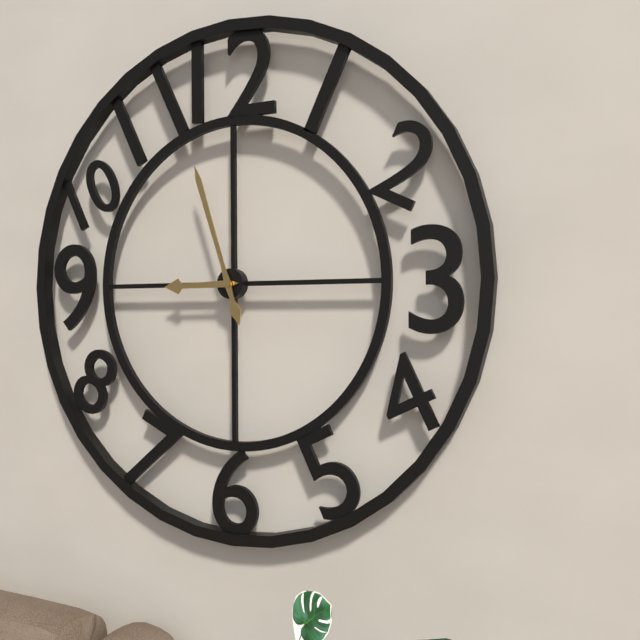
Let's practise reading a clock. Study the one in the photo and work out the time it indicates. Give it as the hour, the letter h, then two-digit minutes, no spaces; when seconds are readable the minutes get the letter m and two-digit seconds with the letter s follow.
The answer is 8h57
